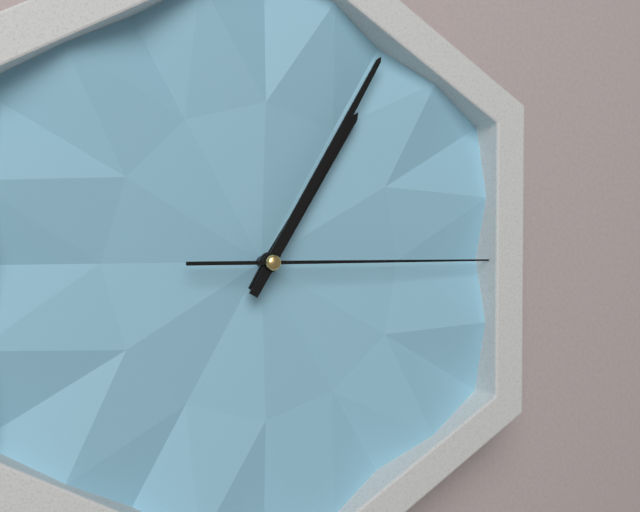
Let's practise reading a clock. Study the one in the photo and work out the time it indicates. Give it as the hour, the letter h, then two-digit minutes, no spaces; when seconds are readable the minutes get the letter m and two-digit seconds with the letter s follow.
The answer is 1h05m15s
